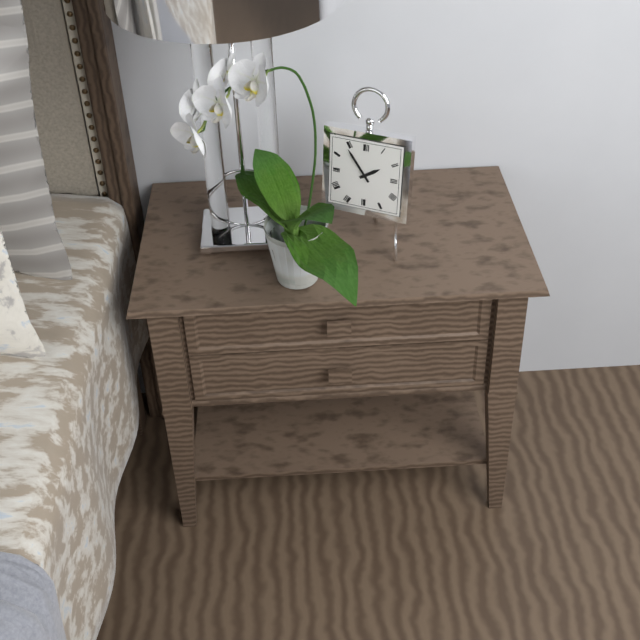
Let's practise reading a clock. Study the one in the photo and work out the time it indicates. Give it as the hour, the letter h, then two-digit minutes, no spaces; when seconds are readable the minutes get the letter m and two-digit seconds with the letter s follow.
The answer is 1h54
